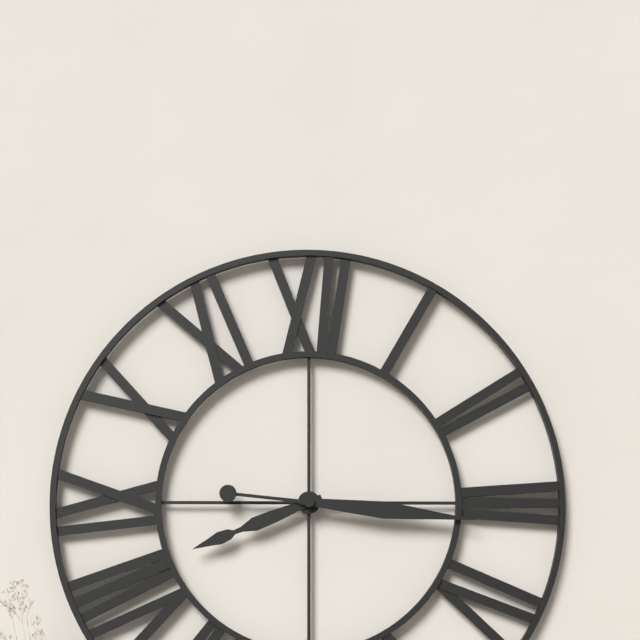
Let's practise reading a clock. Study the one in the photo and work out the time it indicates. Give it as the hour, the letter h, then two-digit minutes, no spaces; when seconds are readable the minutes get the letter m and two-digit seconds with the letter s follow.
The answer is 8h16
